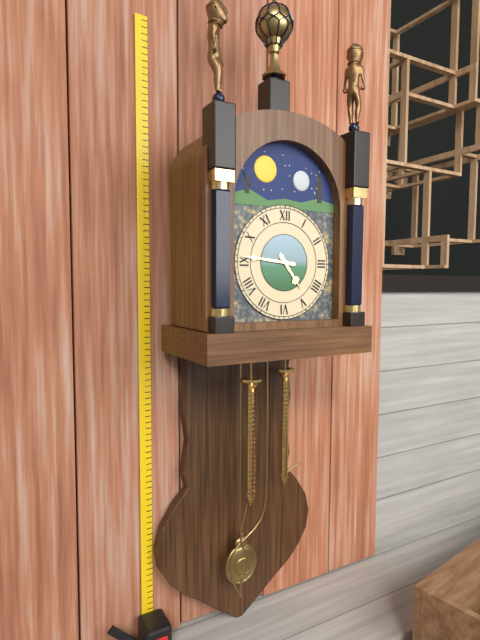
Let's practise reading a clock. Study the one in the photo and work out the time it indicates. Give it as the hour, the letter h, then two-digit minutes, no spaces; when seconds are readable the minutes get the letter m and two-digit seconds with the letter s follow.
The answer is 4h46
